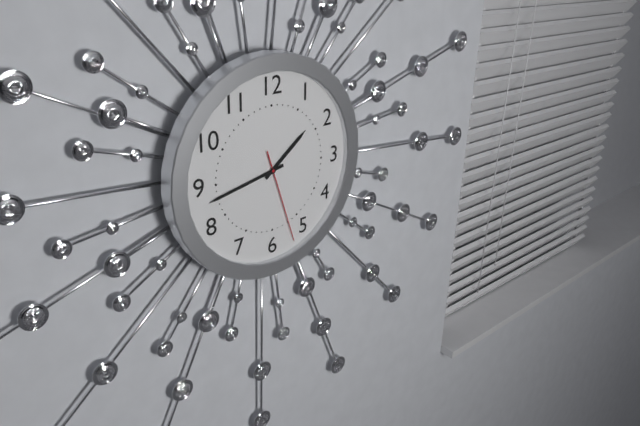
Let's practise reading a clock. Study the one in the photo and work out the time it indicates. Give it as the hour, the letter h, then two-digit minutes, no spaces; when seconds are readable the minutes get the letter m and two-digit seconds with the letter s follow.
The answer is 1h43m27s
